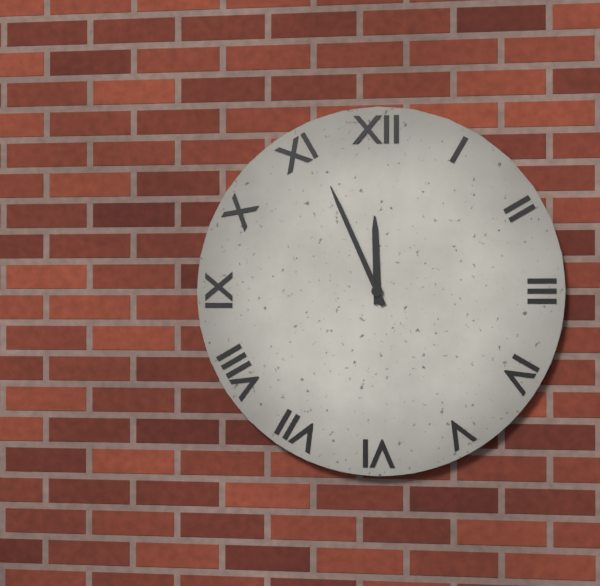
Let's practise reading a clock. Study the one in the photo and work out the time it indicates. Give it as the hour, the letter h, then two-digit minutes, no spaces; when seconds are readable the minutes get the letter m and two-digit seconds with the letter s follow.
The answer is 11h56
